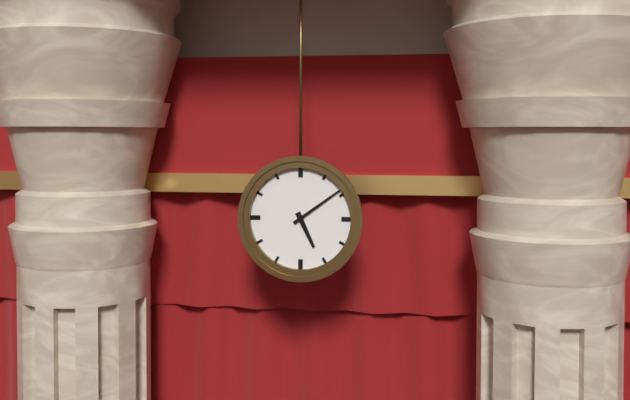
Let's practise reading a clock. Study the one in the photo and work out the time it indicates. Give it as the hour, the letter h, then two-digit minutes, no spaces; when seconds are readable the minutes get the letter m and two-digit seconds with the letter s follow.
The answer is 5h09
